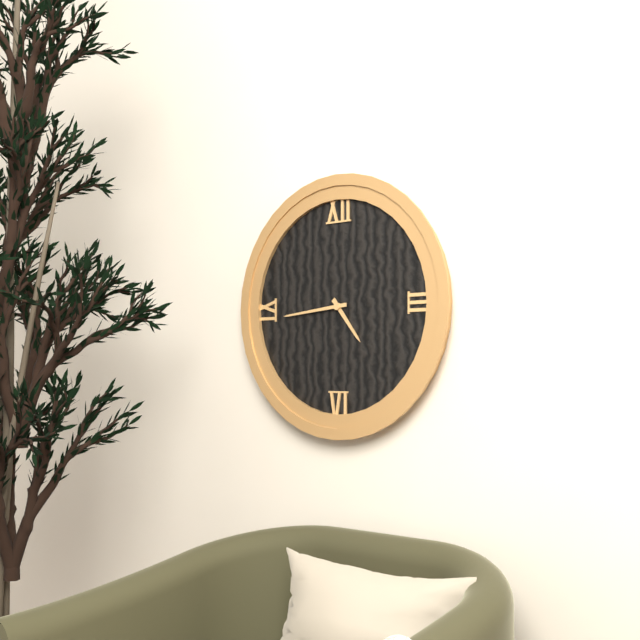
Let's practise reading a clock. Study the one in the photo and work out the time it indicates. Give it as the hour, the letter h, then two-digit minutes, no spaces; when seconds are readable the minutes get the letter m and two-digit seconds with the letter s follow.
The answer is 4h44
